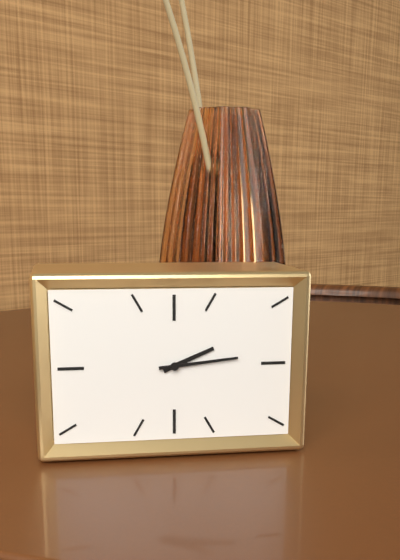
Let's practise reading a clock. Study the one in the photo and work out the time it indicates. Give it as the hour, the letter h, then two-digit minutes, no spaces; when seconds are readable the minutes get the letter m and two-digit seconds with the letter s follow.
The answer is 2h14
